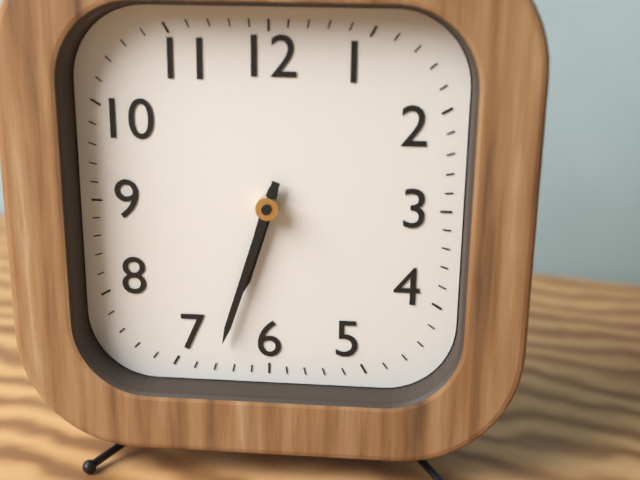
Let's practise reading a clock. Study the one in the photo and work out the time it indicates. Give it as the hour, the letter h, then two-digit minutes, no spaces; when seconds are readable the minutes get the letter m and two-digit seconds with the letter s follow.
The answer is 6h33
